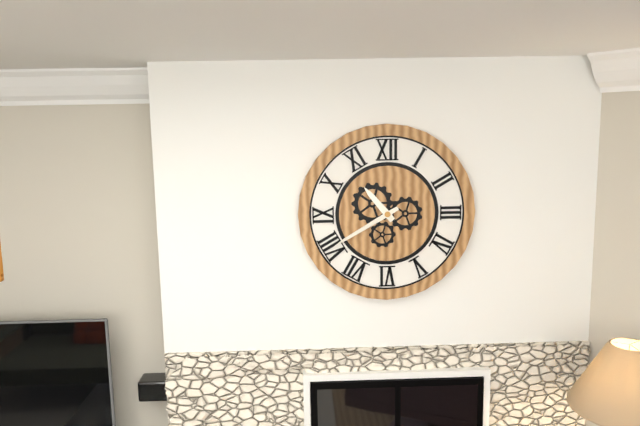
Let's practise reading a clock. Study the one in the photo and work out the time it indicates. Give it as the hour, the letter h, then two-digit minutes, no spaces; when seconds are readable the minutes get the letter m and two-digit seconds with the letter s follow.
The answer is 10h40
